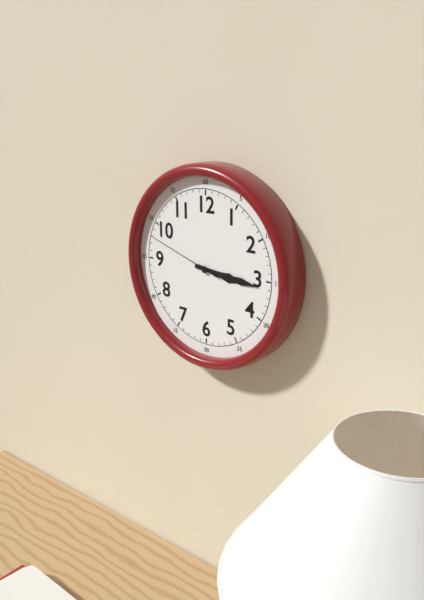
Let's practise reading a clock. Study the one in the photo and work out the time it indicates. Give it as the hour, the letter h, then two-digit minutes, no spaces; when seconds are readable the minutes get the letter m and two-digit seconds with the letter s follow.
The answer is 3h16m48s
